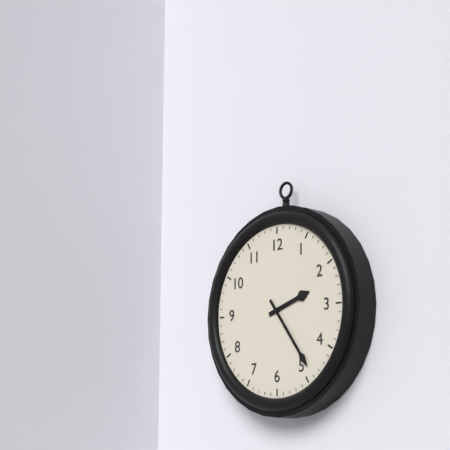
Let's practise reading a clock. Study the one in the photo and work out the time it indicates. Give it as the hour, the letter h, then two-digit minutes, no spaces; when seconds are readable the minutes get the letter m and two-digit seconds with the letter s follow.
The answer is 2h24
